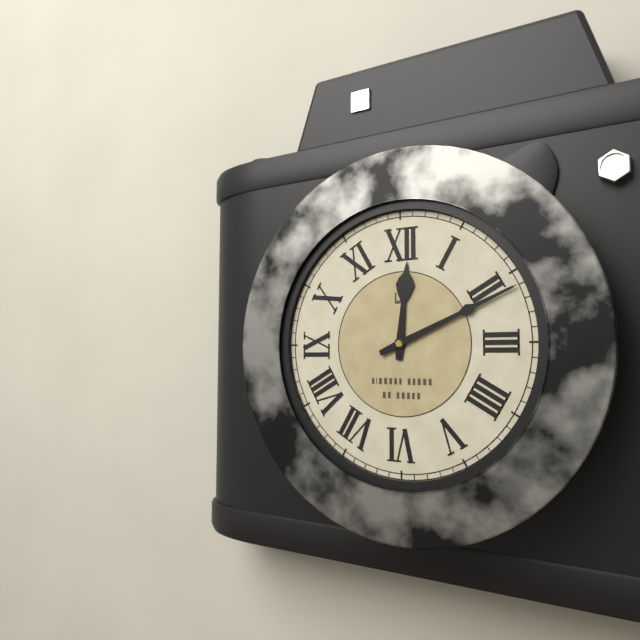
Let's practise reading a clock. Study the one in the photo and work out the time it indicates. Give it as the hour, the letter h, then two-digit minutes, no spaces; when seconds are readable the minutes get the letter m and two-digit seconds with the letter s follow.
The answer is 12h11
